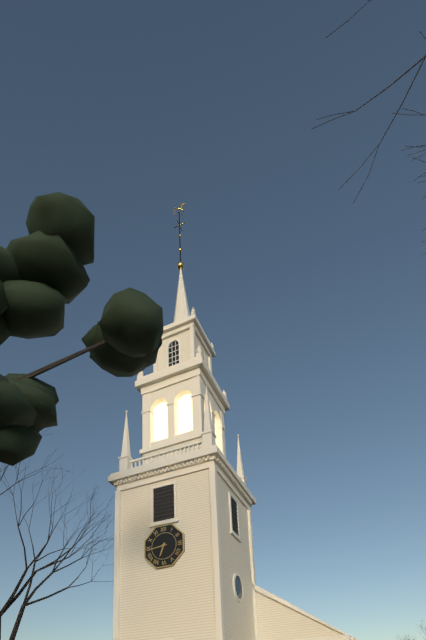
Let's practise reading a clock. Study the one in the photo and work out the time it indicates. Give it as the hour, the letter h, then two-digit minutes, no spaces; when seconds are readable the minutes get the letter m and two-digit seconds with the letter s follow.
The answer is 6h44
